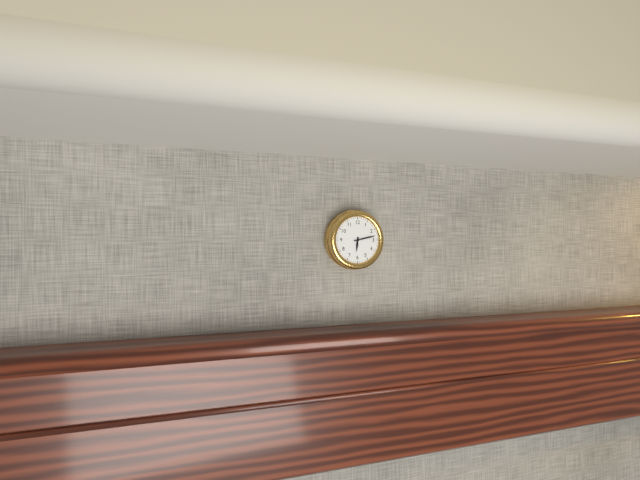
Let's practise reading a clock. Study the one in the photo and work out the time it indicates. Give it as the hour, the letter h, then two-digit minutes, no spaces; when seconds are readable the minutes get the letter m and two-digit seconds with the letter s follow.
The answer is 6h13
